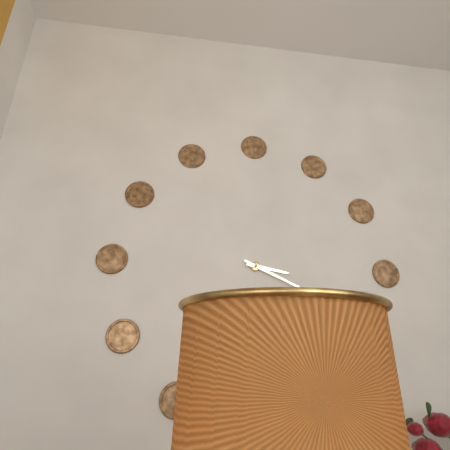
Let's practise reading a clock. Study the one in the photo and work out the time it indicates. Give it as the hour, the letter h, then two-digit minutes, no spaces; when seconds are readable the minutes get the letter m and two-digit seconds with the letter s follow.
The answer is 3h19
